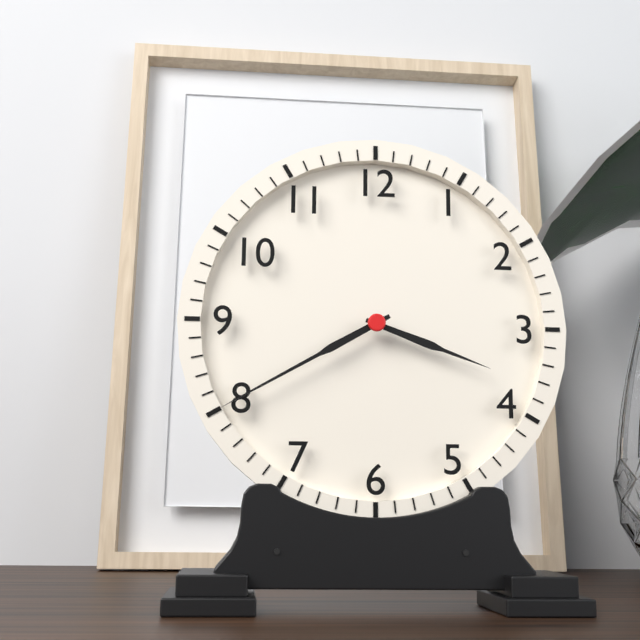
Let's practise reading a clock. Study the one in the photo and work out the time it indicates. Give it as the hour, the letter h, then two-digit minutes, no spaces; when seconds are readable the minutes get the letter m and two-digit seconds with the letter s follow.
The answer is 3h40
